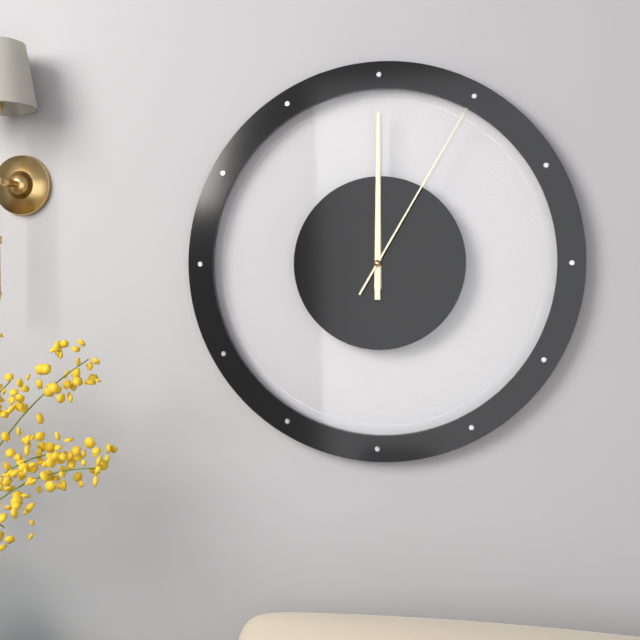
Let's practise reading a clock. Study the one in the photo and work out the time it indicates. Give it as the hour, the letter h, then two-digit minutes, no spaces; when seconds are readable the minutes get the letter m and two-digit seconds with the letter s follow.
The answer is 12h00m05s
